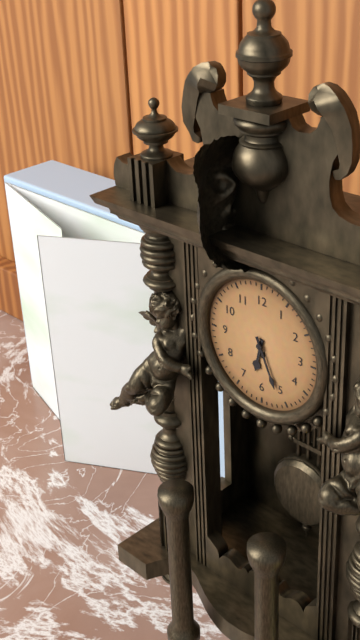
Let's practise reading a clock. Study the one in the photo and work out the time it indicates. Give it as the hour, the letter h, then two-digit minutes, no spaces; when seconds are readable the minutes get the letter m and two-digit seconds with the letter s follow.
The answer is 6h26
